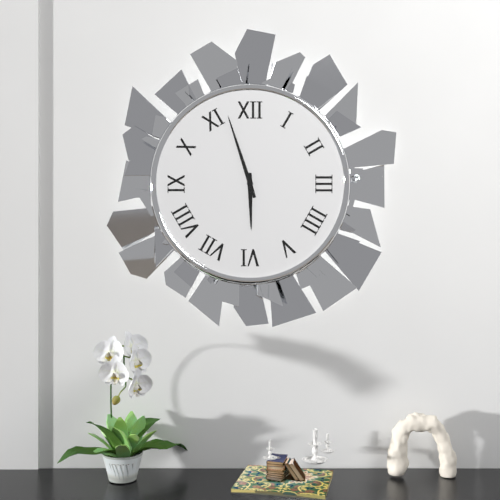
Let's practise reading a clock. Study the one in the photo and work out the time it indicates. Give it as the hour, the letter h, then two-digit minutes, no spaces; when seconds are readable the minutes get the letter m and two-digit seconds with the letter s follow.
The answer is 5h57
